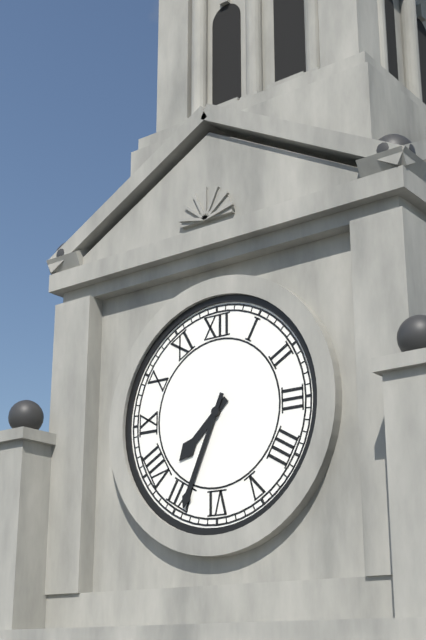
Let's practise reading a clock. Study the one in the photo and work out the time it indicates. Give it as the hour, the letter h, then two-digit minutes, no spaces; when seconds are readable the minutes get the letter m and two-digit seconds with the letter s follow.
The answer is 7h34
